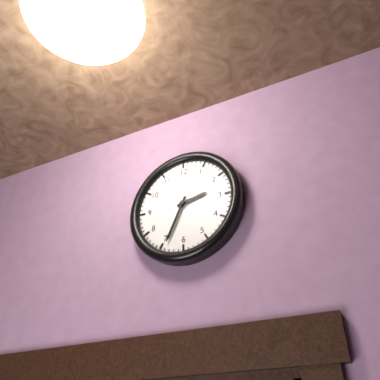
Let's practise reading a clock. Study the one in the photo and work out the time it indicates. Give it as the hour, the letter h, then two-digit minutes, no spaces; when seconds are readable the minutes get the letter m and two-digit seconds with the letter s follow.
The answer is 2h34
